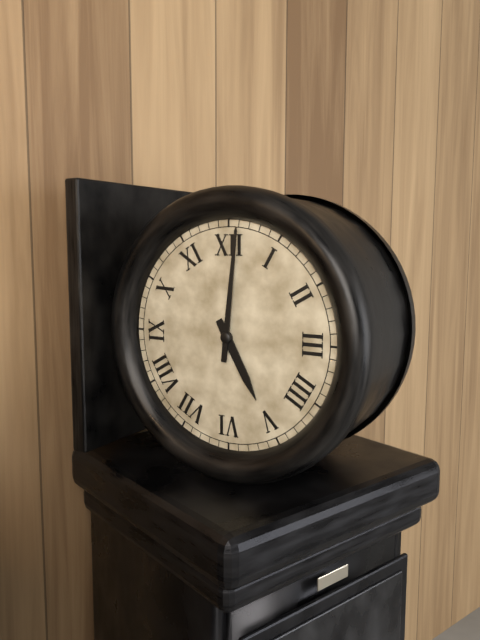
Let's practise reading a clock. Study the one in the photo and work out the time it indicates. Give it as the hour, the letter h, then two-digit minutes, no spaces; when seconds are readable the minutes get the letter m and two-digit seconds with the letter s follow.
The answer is 5h01
